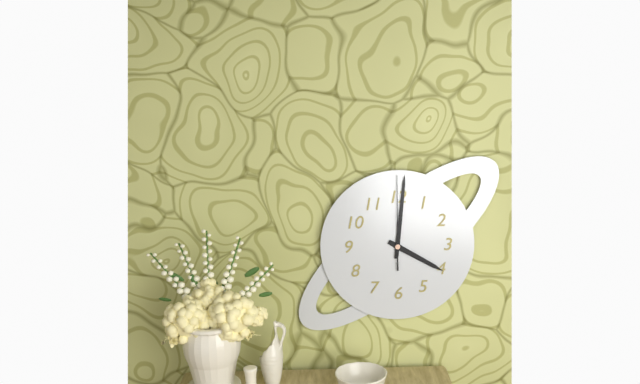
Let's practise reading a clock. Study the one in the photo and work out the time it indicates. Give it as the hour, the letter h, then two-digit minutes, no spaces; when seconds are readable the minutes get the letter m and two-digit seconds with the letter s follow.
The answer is 4h01m00s
